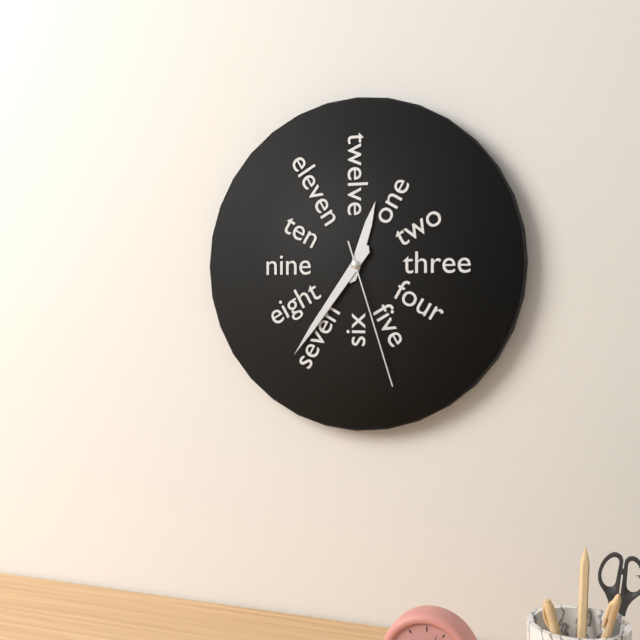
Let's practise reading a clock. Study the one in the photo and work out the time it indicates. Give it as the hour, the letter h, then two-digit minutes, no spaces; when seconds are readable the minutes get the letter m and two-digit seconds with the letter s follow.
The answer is 12h36m27s
